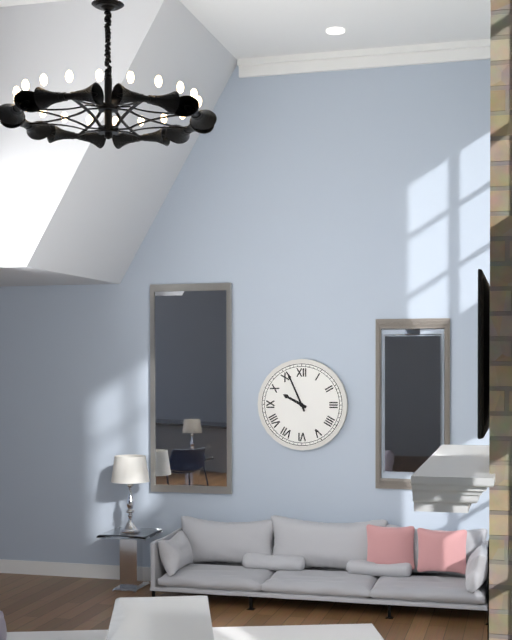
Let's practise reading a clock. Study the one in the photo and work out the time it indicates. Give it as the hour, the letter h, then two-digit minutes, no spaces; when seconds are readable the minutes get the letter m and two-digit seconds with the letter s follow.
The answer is 9h56
